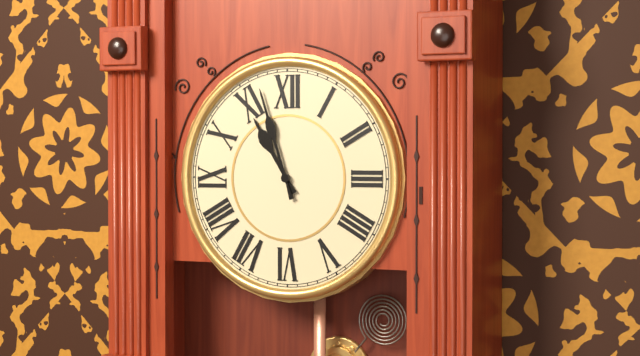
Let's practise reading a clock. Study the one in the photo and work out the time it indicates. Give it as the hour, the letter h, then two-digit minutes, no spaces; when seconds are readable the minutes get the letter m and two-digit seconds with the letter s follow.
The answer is 10h57
